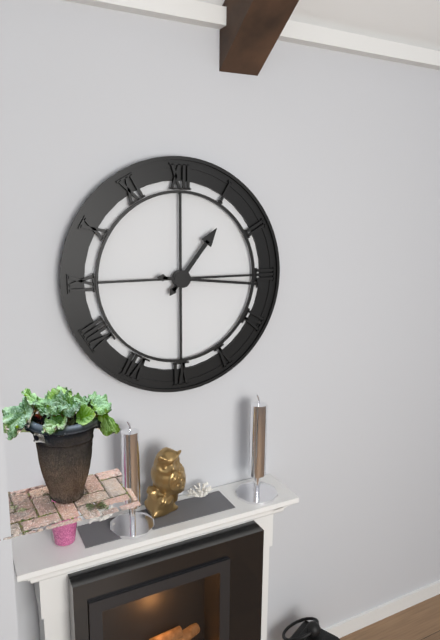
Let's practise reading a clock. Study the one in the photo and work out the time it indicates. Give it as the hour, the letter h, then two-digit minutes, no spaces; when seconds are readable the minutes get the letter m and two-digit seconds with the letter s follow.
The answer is 1h16
